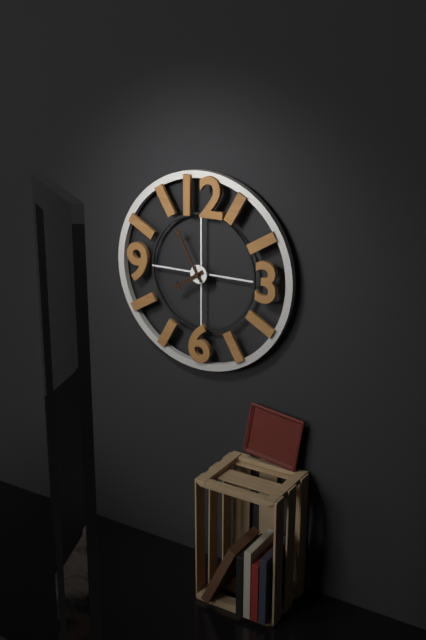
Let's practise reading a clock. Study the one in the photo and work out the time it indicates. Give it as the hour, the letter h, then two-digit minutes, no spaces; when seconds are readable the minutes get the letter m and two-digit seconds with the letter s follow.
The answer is 7h55
